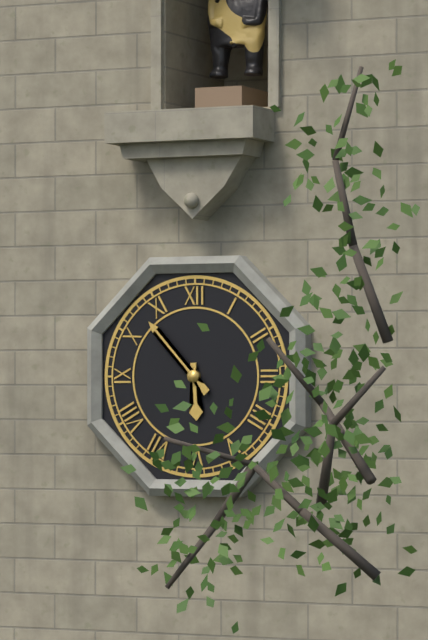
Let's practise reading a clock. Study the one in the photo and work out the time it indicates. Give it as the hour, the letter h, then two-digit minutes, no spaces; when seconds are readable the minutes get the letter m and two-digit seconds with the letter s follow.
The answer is 5h53
